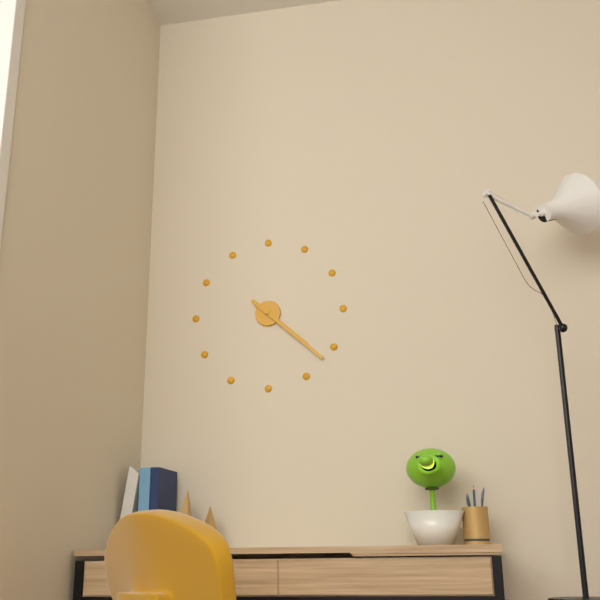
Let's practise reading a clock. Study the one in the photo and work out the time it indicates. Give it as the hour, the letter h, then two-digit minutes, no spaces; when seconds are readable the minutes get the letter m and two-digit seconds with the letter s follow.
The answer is 4h22
